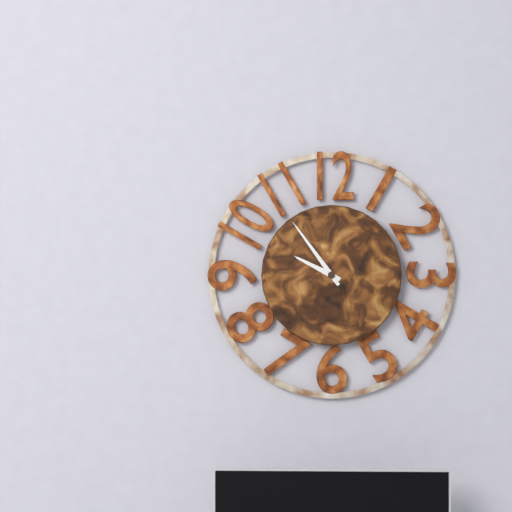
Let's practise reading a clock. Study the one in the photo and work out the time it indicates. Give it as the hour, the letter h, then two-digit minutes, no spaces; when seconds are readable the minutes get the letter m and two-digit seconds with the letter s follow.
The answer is 9h54
